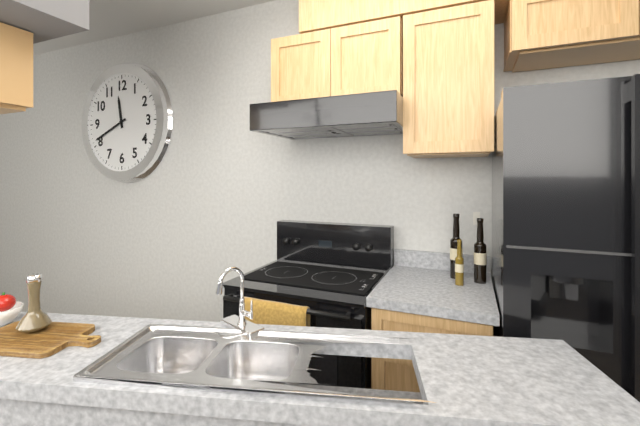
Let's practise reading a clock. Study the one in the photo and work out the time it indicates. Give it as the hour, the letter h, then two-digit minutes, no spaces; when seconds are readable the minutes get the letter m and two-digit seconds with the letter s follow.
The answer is 11h41
